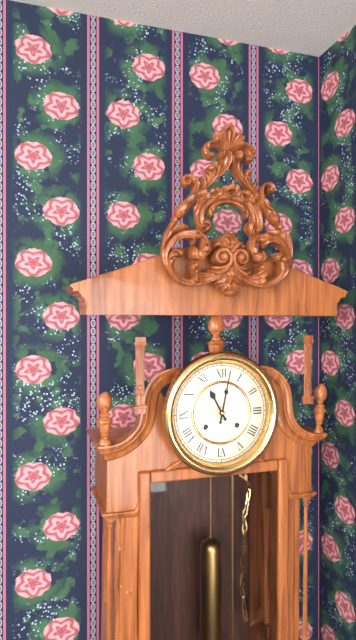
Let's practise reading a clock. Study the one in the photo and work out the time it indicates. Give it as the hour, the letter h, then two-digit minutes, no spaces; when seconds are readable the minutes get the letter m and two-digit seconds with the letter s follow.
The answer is 11h02
